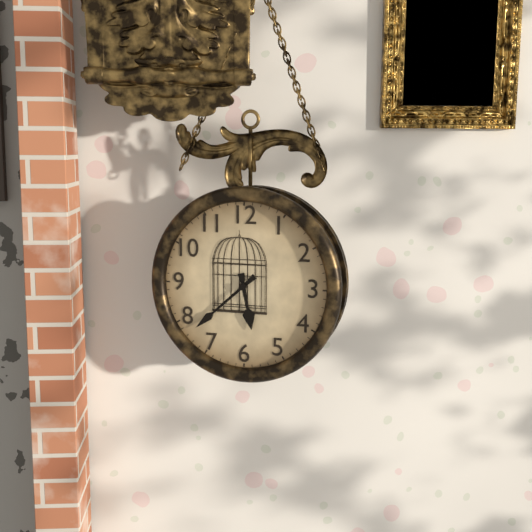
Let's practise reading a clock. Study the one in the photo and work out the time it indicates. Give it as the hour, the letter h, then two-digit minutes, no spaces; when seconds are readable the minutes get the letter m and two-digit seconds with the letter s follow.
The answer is 5h38
